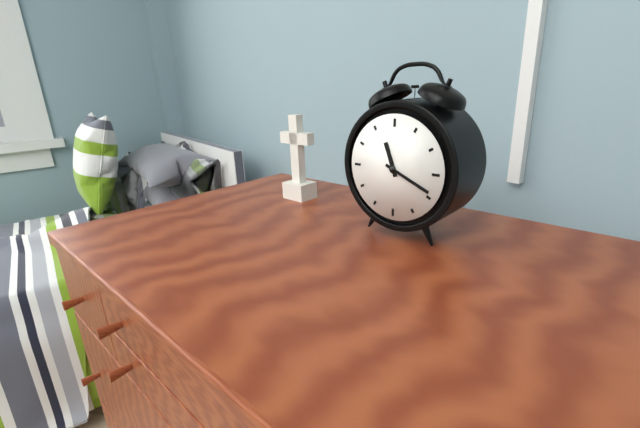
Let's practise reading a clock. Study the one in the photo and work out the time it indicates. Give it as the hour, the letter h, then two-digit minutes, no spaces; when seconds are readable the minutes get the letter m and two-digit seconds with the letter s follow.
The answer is 11h19
